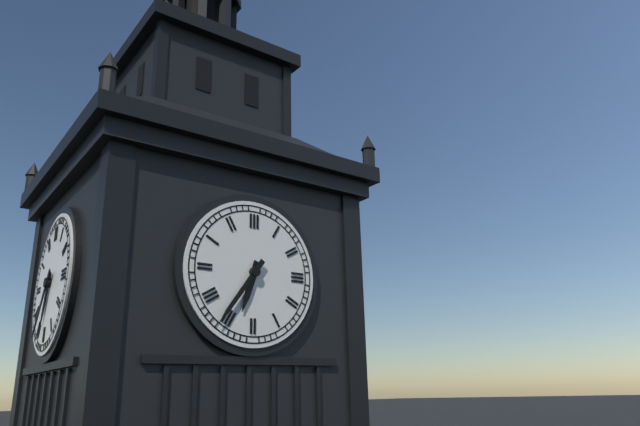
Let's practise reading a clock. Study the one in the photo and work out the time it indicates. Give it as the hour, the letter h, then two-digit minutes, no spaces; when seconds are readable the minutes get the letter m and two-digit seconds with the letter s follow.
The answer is 6h36
